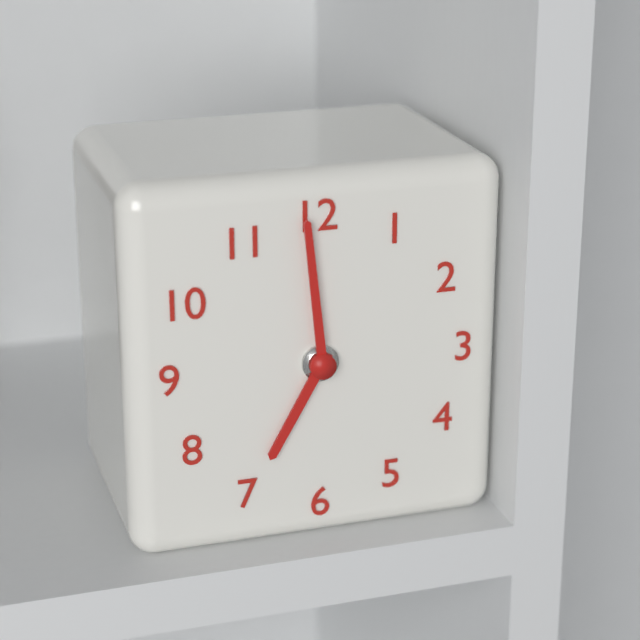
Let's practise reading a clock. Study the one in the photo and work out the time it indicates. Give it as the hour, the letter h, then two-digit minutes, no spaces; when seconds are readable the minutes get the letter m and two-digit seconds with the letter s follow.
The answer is 6h59
